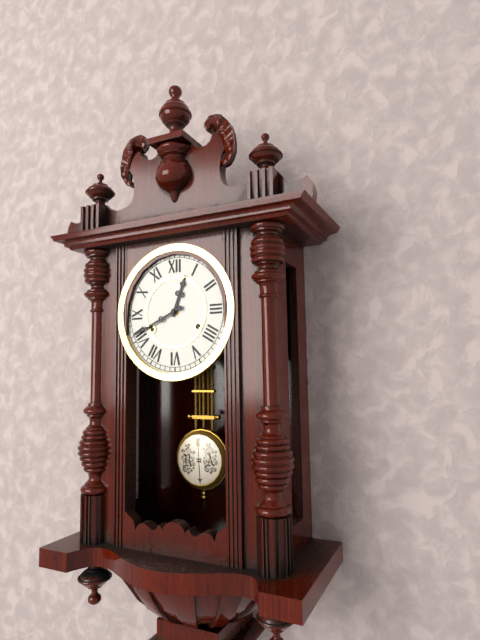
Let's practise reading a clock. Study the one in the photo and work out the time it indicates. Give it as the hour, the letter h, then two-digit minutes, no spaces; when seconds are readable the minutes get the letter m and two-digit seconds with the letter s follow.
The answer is 12h41
